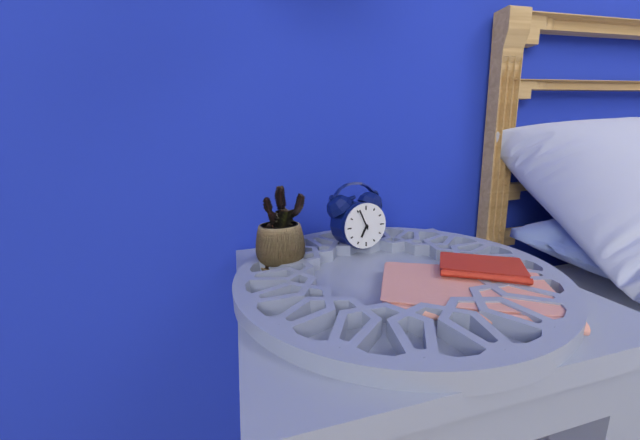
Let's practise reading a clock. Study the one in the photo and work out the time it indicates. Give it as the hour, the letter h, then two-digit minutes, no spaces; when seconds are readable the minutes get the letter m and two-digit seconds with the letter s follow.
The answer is 6h56
